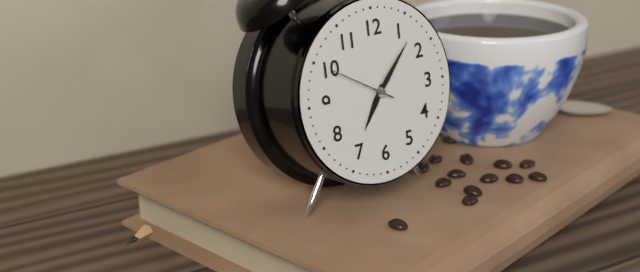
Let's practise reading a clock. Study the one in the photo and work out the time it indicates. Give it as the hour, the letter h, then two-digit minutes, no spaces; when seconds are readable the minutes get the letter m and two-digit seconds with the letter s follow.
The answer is 7h07m50s
